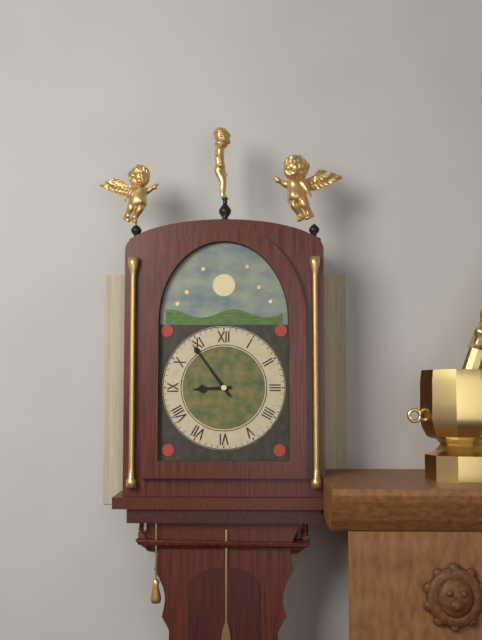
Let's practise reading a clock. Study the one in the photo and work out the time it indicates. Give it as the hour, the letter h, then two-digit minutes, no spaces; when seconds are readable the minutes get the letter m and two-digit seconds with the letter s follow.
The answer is 8h54
